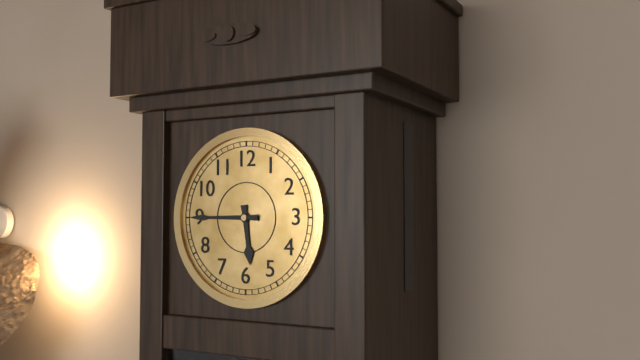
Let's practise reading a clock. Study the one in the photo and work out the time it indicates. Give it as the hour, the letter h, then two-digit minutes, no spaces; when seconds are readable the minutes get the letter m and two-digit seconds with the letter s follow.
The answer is 5h45
